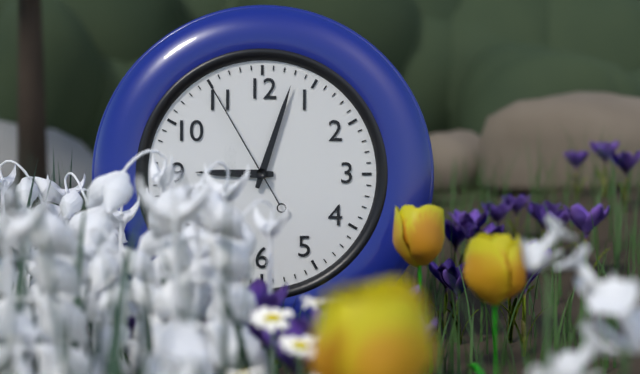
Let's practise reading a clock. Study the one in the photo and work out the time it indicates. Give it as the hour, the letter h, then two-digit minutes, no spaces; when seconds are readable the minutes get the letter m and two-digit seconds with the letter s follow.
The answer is 9h03m55s
